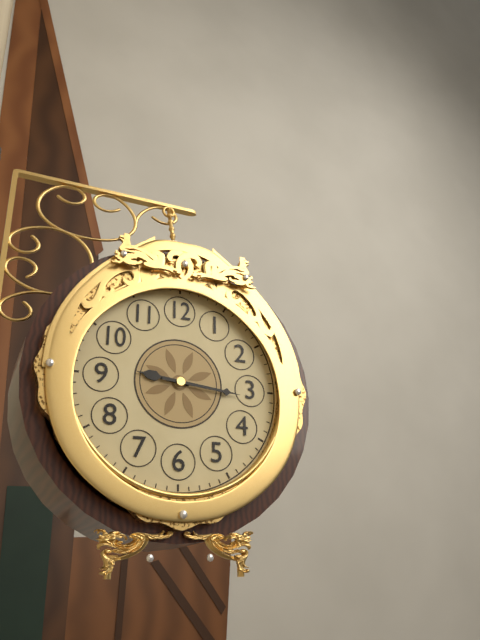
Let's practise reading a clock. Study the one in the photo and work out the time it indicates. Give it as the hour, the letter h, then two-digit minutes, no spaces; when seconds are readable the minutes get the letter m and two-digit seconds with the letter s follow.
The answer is 9h16
